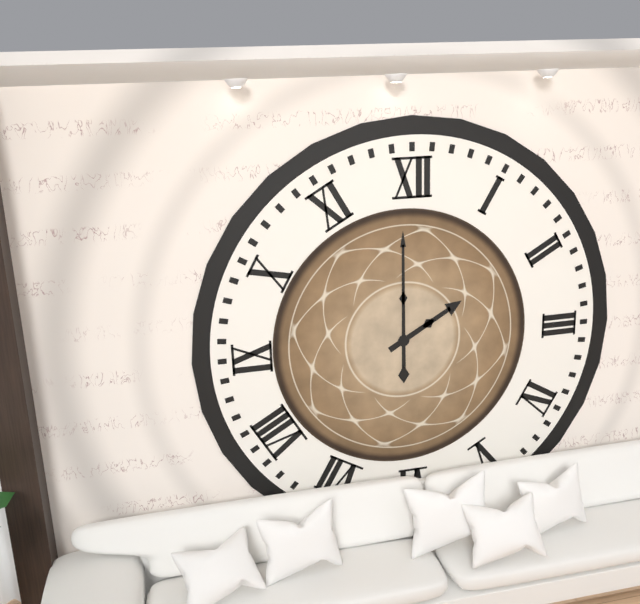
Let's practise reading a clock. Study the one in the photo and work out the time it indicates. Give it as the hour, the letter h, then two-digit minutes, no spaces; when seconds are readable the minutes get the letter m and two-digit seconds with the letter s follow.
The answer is 2h00
